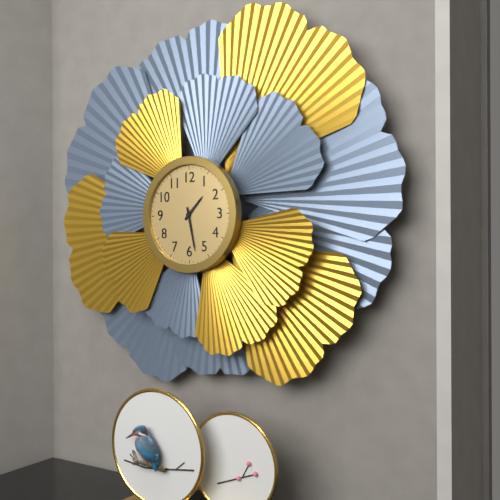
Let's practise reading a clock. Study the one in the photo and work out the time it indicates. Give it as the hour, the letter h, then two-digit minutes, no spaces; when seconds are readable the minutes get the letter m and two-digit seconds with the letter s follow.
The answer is 1h28
